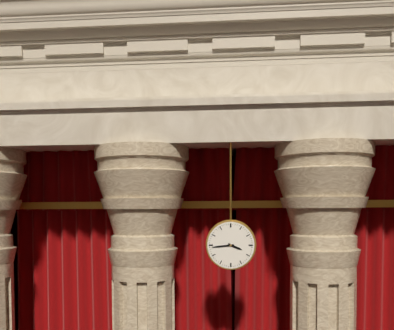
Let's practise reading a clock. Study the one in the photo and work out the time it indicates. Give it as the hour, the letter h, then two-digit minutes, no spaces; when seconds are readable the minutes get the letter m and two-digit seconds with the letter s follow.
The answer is 3h44
